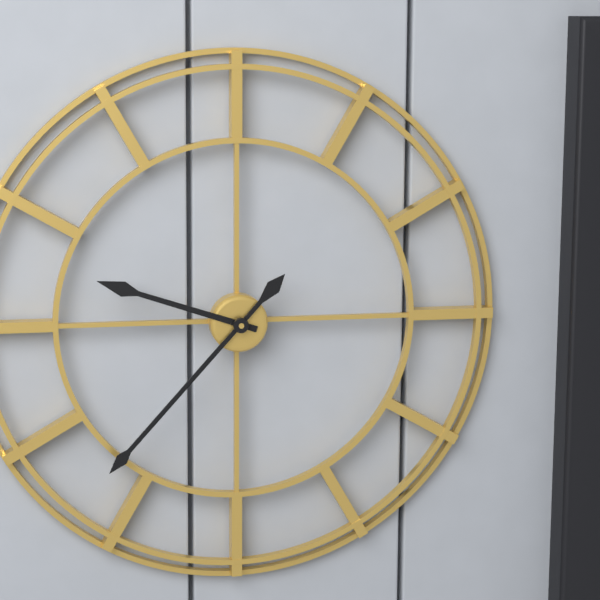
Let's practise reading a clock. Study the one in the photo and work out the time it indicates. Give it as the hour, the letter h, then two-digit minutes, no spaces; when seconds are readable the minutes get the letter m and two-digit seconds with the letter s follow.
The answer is 9h37
